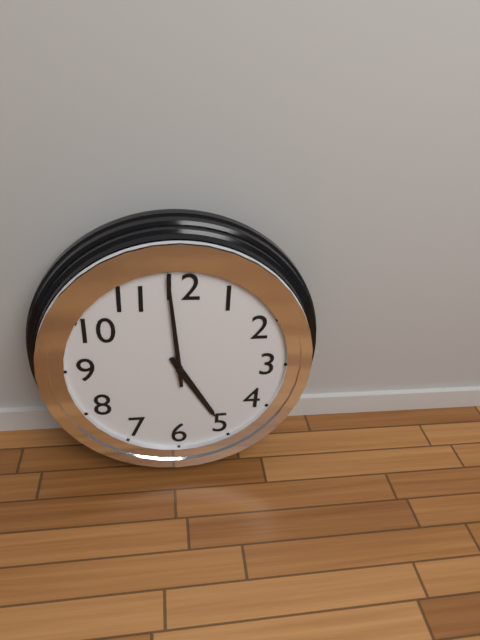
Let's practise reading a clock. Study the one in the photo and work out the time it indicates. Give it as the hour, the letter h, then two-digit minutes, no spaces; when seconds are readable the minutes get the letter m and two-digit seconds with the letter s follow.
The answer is 4h59
